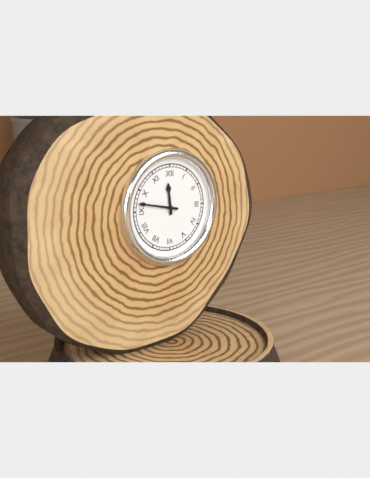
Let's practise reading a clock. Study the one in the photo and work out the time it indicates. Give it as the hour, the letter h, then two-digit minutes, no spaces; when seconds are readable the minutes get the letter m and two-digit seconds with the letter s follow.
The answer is 11h47
